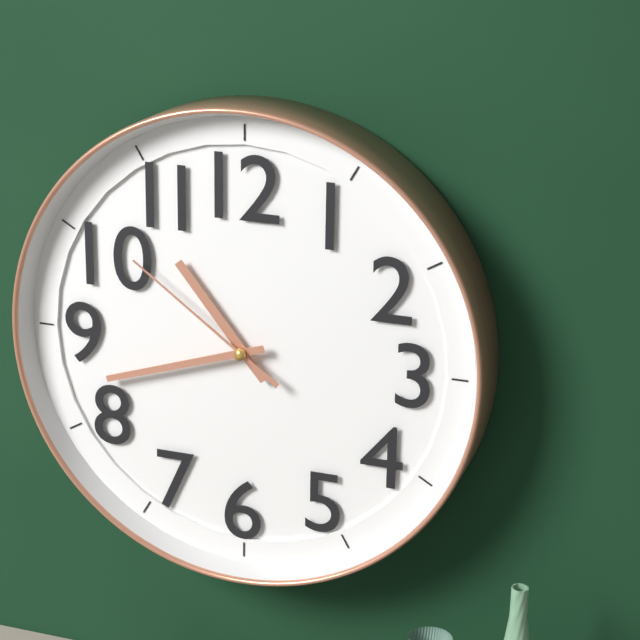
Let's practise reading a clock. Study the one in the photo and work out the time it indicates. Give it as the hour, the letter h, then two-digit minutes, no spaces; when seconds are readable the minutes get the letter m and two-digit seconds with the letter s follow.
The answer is 10h42m51s
